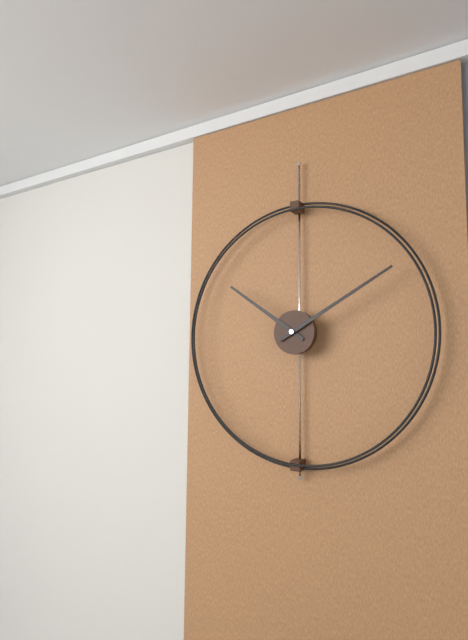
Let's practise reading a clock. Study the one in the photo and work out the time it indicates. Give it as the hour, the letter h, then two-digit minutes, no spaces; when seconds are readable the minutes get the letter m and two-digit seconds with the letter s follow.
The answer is 10h10
